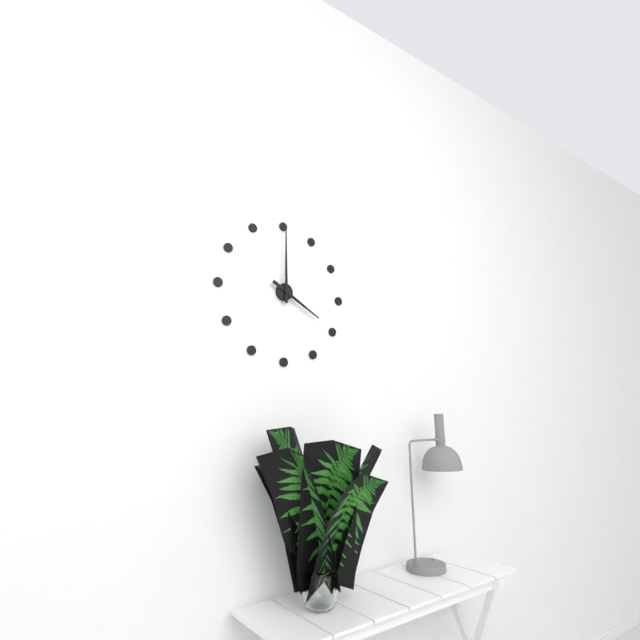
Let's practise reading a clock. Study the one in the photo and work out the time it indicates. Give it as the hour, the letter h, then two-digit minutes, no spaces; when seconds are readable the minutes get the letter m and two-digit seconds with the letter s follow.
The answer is 4h00
